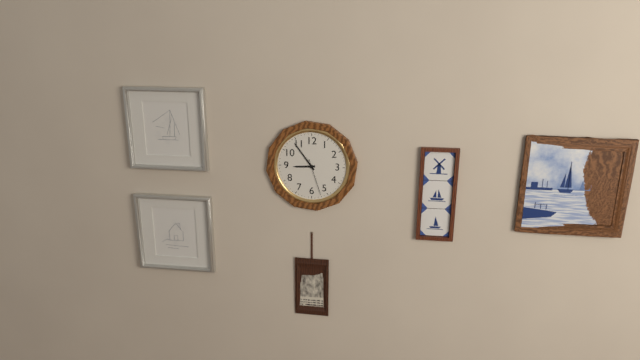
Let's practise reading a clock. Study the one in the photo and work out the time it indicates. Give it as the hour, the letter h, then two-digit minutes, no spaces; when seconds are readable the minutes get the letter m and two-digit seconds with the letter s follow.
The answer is 8h54
